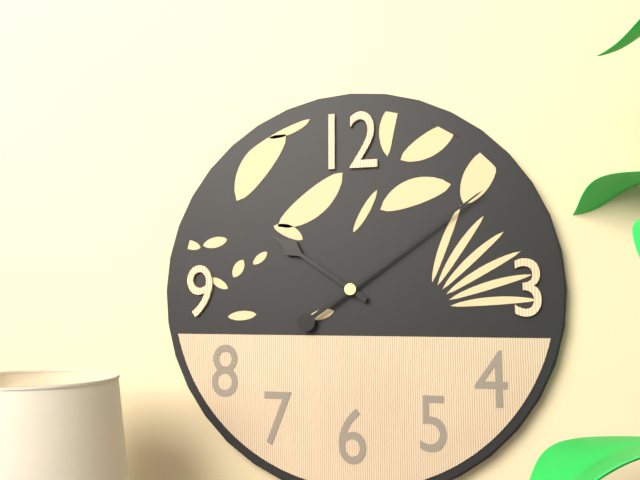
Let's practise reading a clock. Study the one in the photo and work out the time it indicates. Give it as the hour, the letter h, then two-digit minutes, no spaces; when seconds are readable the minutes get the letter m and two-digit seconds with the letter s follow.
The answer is 10h09
